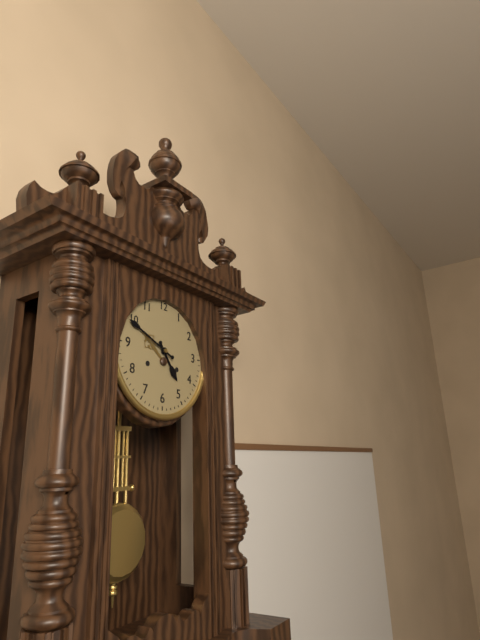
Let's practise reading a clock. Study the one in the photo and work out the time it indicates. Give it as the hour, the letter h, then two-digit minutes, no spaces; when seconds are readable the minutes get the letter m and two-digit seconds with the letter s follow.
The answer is 4h49
